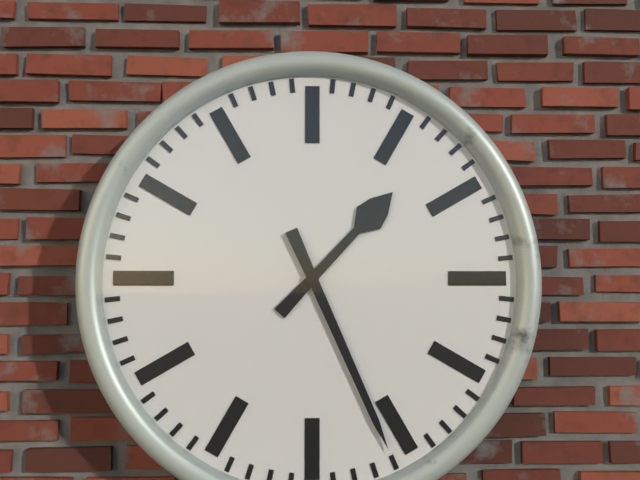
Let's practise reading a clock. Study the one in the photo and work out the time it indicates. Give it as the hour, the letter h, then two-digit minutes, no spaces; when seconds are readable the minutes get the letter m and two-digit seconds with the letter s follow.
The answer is 1h26
